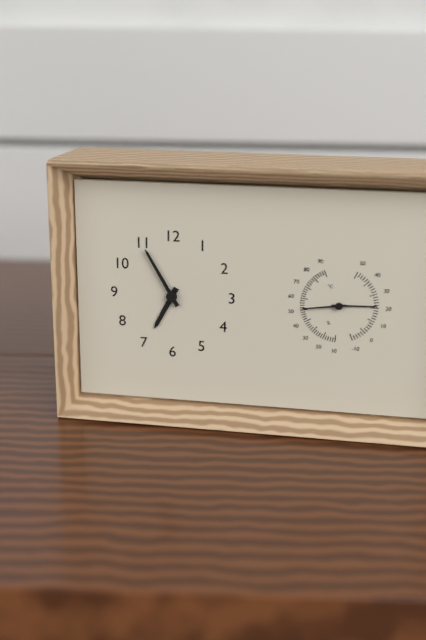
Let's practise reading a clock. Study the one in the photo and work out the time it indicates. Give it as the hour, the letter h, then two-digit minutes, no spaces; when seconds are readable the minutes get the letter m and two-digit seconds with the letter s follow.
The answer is 6h55
